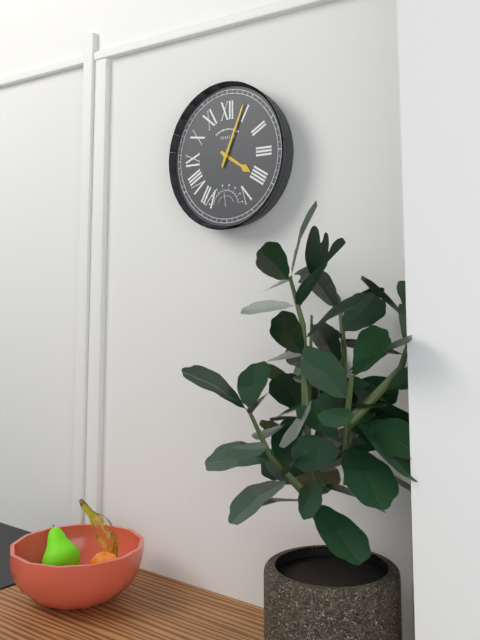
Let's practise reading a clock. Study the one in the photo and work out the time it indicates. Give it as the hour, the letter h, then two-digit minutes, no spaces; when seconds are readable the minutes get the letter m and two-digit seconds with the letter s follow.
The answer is 4h04
